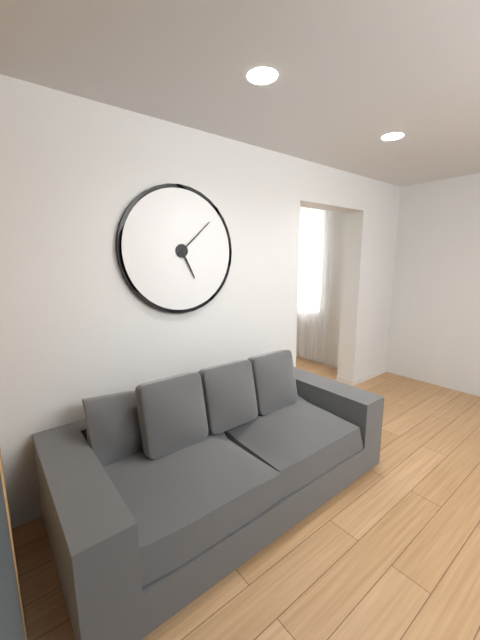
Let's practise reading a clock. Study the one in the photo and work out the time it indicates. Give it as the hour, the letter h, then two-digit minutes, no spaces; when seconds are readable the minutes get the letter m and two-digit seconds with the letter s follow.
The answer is 5h08
